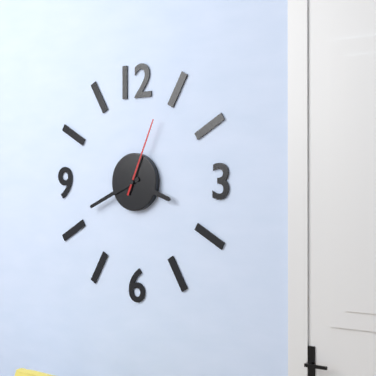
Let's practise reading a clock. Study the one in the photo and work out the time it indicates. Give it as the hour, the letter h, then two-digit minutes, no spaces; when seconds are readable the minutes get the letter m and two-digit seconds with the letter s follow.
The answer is 3h41m04s
